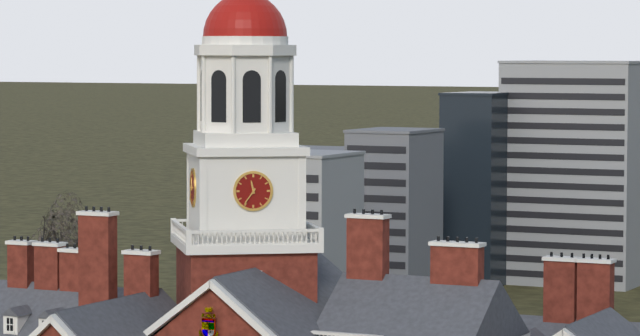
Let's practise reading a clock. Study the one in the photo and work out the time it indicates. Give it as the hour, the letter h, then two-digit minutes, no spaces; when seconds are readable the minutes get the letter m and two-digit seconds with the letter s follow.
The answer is 11h36
